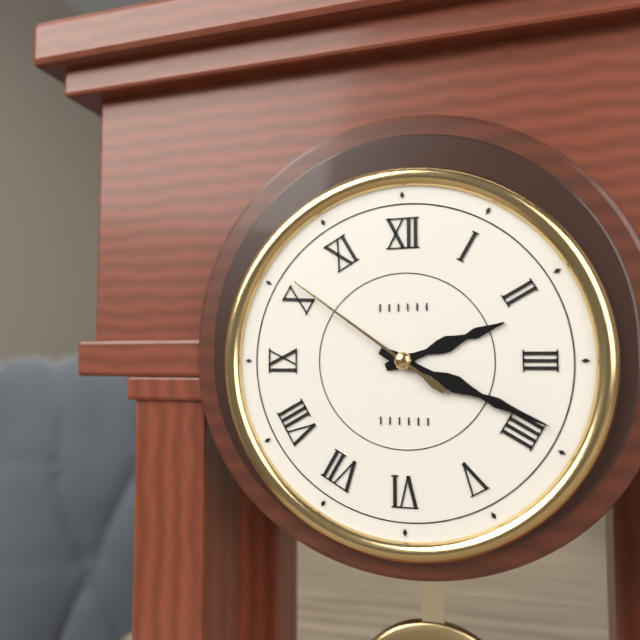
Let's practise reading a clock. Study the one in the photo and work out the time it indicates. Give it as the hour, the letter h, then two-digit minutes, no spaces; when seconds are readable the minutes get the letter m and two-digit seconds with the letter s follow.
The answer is 2h19m51s
